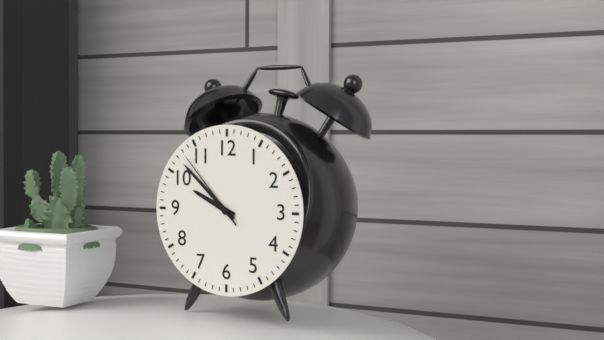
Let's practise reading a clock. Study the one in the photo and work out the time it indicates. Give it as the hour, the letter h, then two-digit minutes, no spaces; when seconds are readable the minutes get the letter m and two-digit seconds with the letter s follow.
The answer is 9h52m53s
